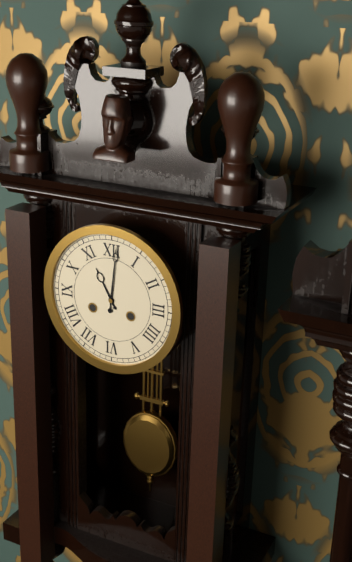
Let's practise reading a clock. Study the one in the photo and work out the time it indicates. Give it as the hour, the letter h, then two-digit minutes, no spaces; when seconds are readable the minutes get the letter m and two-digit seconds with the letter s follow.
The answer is 11h01
